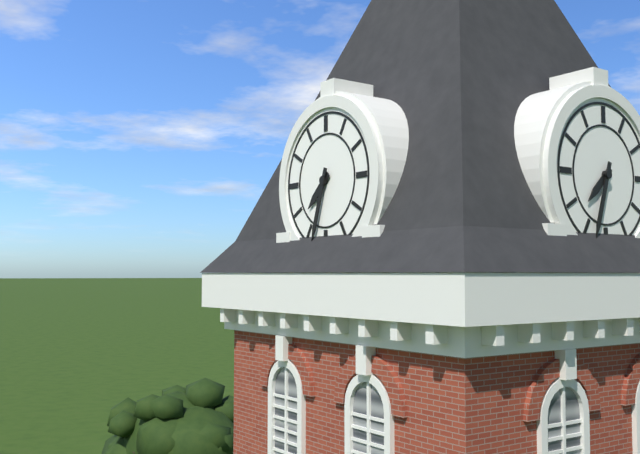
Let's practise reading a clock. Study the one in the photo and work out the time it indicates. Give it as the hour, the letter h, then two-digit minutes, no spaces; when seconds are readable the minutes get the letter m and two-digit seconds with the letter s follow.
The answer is 7h33
